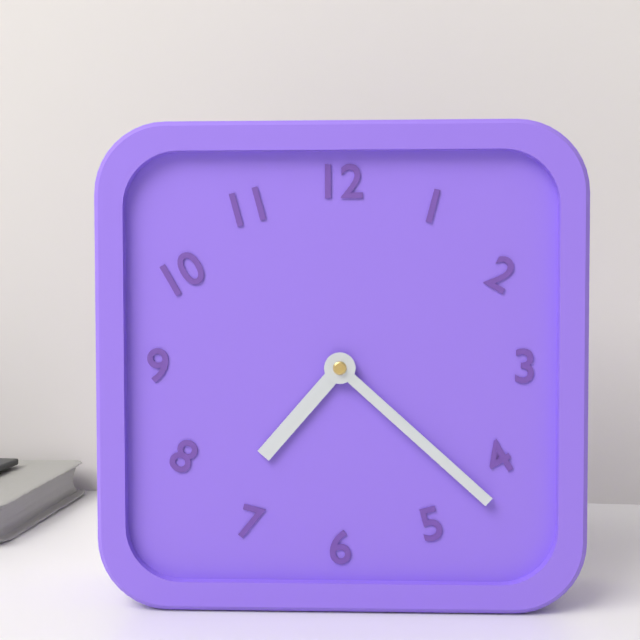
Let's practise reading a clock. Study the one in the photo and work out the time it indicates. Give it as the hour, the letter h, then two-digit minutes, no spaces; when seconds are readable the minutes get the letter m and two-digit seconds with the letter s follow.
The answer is 7h22
